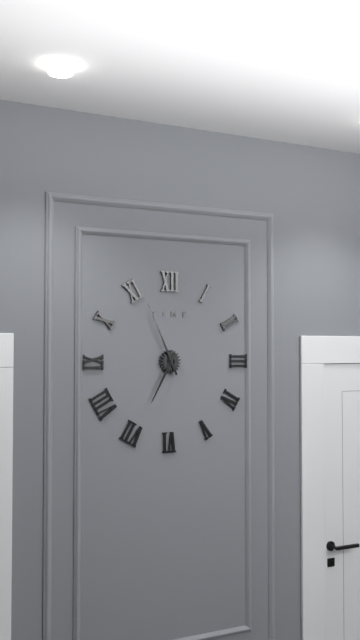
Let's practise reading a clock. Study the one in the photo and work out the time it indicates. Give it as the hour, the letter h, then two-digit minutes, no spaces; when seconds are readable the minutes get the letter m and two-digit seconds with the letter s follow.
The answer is 6h56
